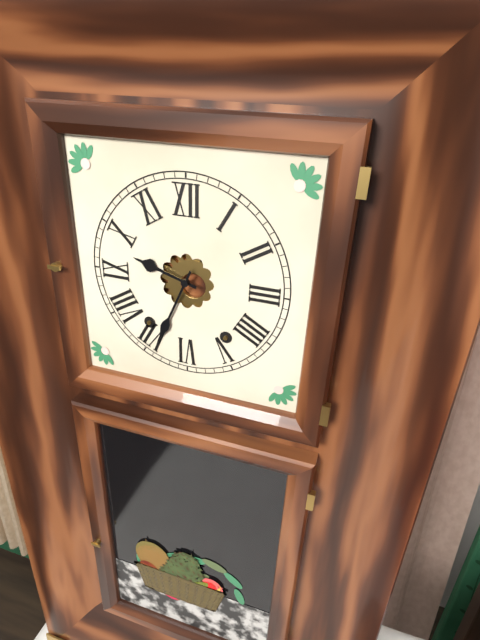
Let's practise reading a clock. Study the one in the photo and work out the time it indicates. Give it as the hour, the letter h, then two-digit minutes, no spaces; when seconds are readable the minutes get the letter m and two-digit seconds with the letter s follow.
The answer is 9h34
